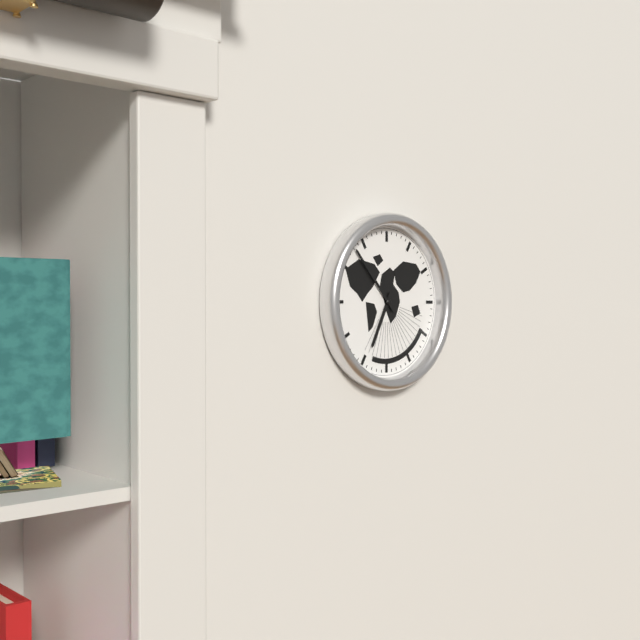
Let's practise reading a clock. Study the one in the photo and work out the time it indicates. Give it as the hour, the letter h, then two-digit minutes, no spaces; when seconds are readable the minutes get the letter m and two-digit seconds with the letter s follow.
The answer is 6h53
